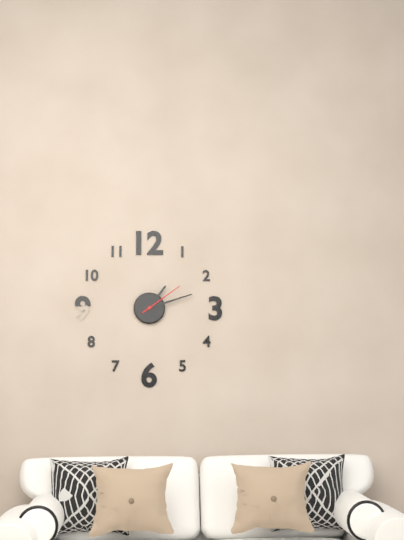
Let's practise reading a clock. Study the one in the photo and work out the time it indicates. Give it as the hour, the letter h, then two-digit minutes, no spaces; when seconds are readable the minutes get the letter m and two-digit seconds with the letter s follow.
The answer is 1h12
